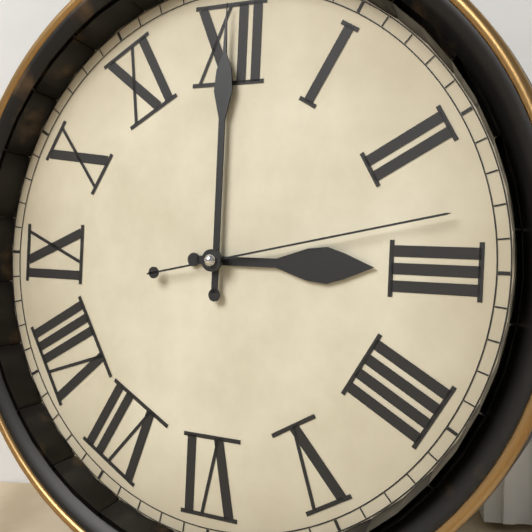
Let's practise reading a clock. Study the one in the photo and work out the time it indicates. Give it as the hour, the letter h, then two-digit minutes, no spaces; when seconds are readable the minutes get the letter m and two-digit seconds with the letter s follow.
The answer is 3h00m13s
